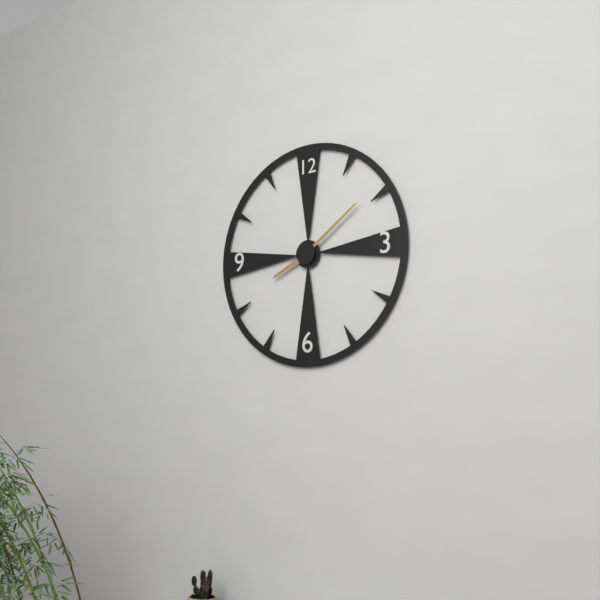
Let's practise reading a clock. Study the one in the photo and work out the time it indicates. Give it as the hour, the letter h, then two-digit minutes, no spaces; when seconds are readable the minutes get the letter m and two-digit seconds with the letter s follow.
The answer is 8h09
